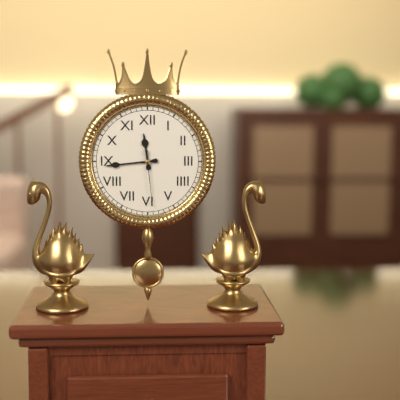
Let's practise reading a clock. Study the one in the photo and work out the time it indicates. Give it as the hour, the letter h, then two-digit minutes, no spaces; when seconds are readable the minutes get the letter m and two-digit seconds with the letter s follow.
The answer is 11h44m29s
